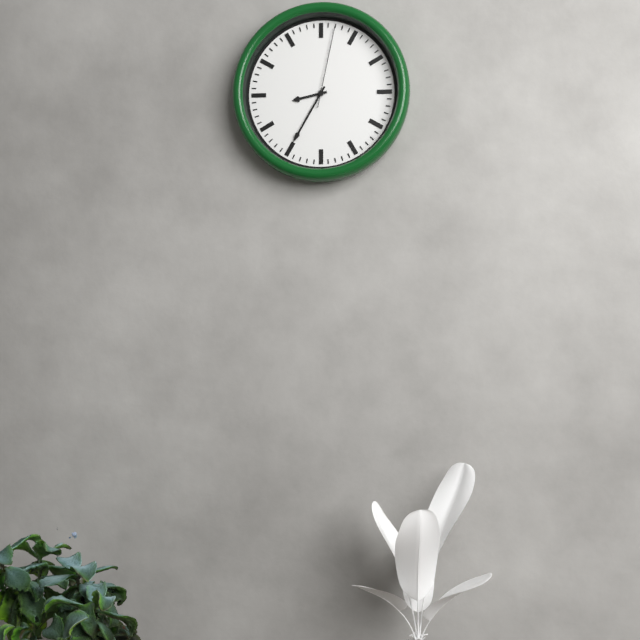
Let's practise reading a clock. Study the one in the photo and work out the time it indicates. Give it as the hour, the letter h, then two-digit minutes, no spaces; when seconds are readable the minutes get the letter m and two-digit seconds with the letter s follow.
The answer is 8h35m02s
